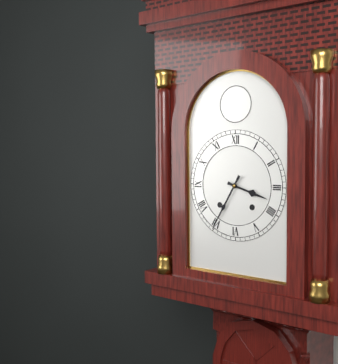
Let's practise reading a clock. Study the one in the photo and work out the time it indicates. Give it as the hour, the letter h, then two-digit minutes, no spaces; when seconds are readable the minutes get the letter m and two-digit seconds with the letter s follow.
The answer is 3h35
